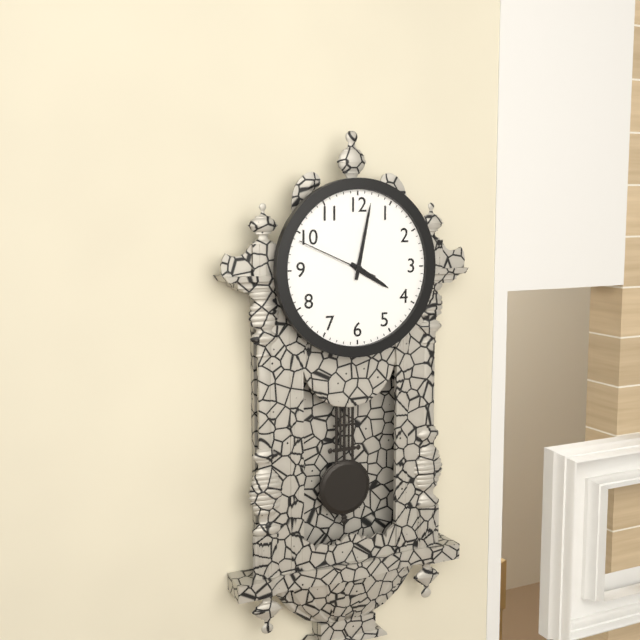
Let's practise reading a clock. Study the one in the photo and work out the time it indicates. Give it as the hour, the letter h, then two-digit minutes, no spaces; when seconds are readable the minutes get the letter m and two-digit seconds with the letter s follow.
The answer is 4h02m49s
